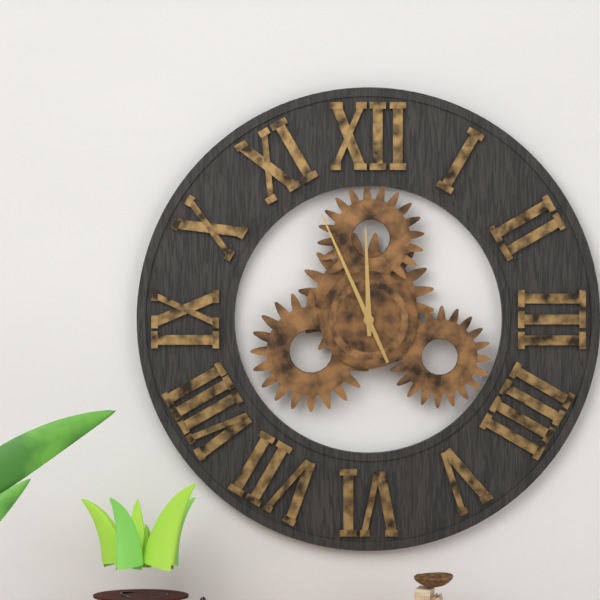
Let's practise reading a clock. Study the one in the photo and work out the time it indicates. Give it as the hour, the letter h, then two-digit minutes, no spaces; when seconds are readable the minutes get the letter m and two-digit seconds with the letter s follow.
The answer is 11h56
